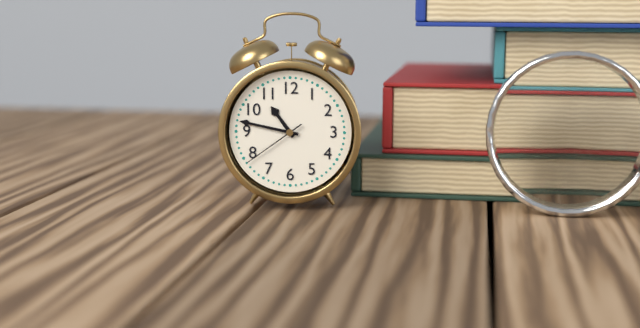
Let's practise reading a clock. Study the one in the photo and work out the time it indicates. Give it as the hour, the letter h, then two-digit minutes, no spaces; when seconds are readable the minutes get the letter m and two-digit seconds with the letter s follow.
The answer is 10h47m39s
